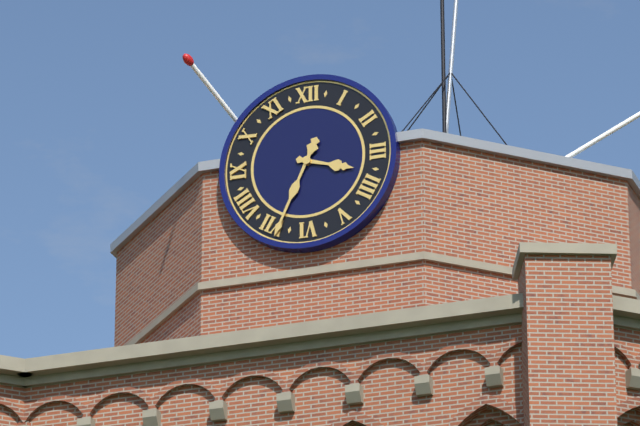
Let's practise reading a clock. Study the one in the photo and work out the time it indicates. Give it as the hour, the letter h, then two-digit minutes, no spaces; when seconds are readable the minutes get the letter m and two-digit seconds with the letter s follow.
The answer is 3h34
